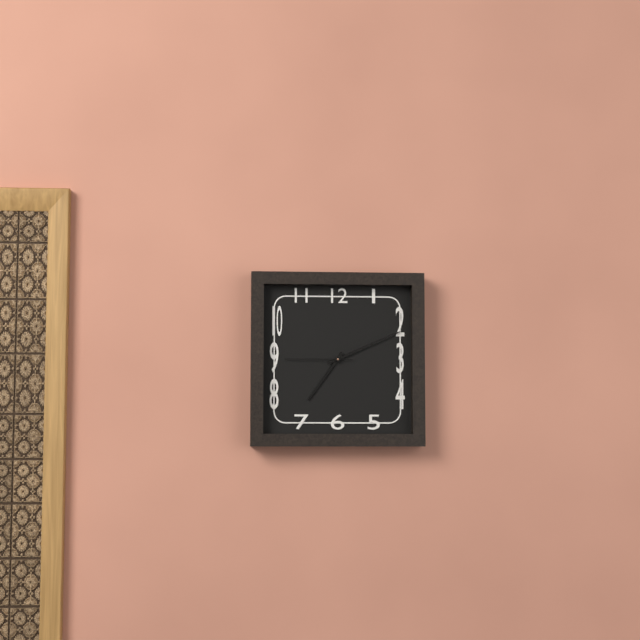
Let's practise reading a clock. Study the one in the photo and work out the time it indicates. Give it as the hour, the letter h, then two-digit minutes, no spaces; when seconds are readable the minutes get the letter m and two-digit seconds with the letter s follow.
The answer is 7h11m45s
